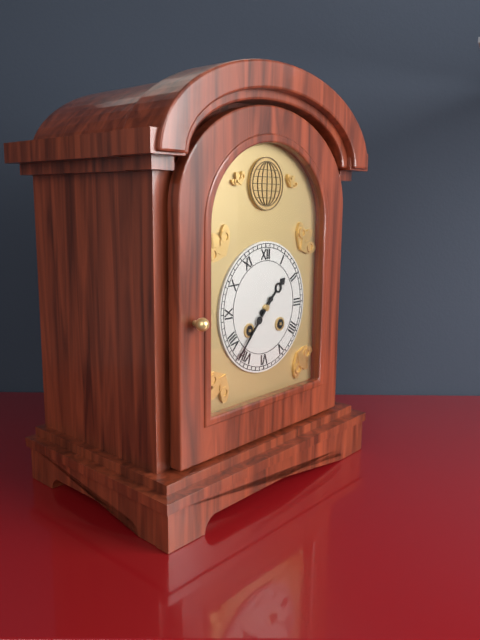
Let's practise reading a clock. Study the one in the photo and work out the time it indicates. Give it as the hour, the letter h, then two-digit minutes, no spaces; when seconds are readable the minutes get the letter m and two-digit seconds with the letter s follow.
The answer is 1h37
